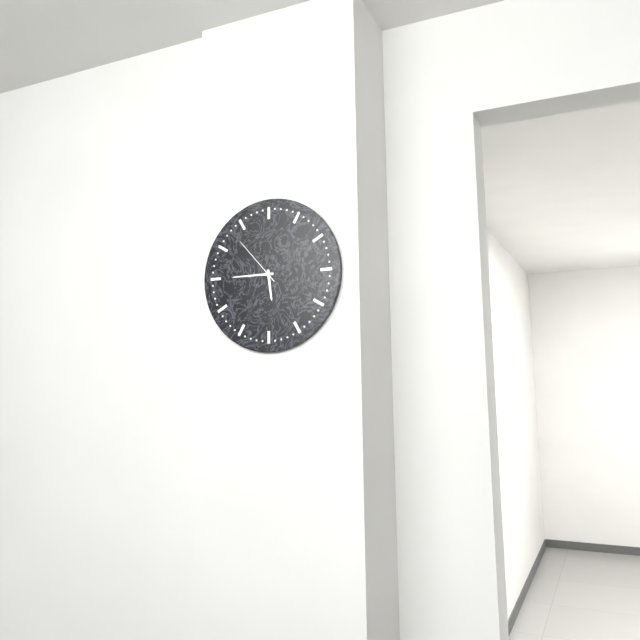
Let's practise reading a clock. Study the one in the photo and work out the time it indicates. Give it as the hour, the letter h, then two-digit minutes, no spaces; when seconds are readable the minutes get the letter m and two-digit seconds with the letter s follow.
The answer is 5h45m53s
